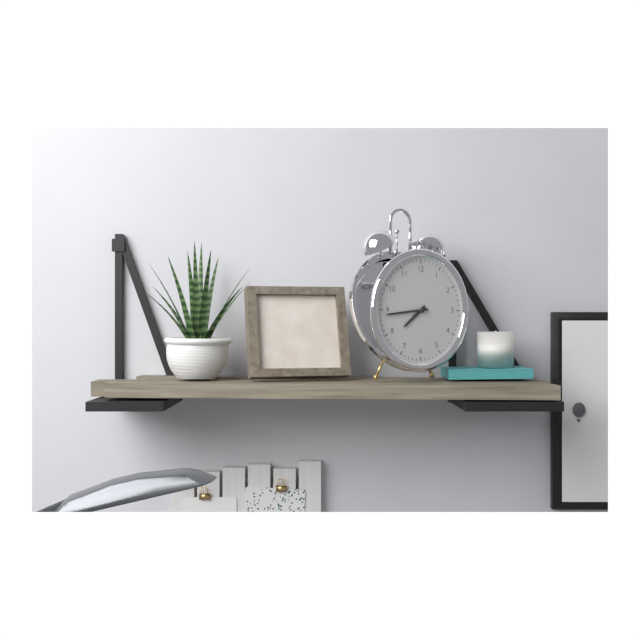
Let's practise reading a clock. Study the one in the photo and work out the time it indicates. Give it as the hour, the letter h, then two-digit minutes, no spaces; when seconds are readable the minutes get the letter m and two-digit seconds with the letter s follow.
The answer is 7h44
